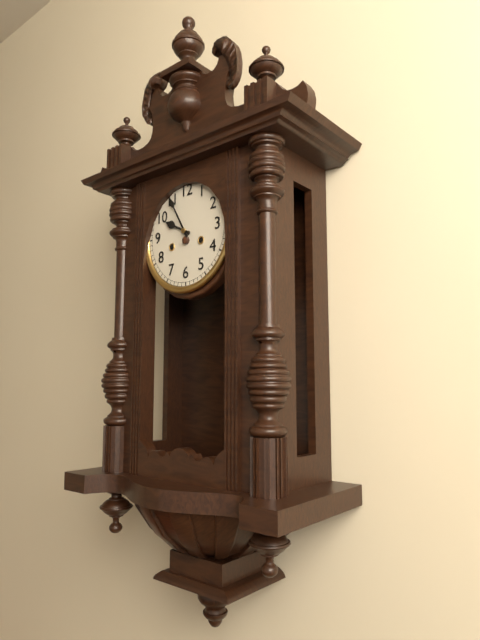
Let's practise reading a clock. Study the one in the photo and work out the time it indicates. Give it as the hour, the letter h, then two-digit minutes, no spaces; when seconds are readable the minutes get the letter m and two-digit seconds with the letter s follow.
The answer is 9h55
